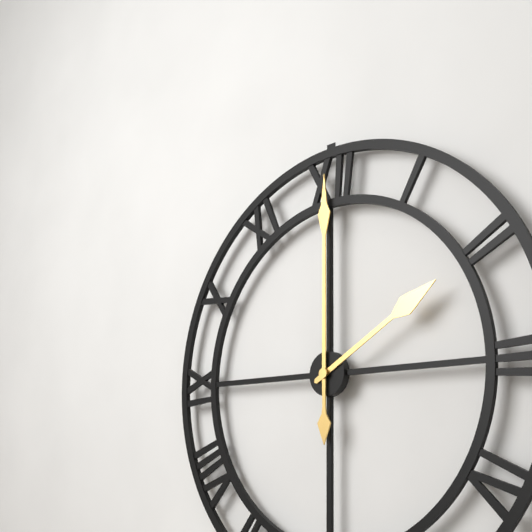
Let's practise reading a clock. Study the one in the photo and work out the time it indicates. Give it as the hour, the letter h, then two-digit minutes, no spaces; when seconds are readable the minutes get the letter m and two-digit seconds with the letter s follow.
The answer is 2h00
